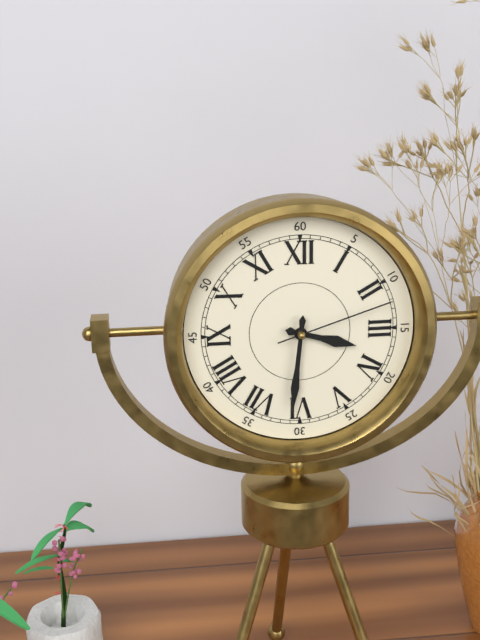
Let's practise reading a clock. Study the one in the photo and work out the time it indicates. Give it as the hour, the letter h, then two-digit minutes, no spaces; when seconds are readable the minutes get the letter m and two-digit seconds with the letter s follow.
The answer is 3h31m12s
